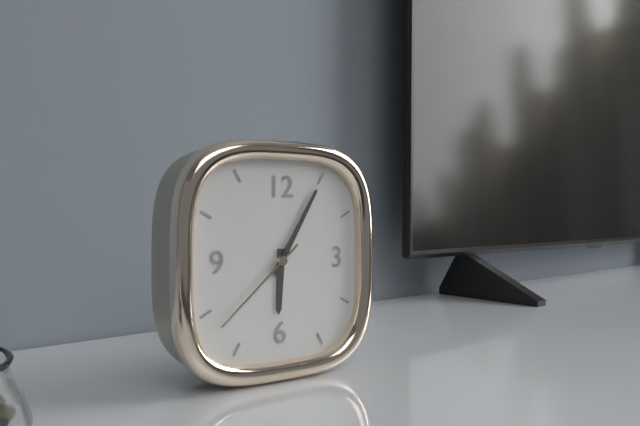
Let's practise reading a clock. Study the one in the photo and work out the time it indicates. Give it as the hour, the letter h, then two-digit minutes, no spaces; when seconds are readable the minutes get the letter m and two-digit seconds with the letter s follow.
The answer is 6h05m38s
